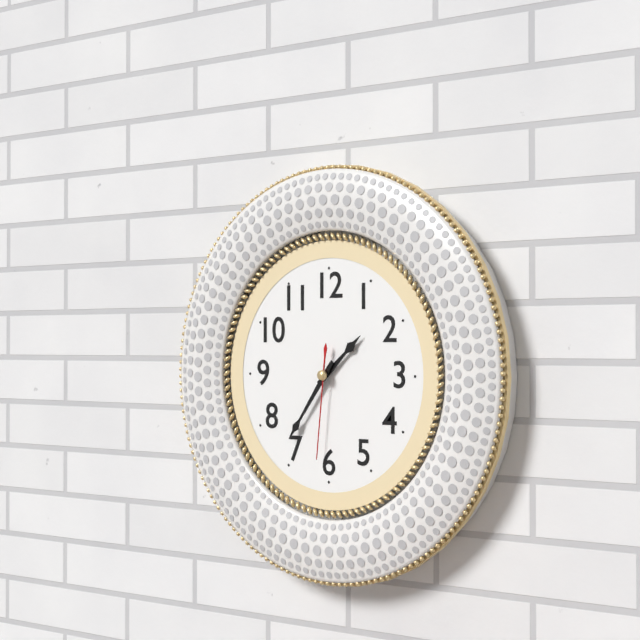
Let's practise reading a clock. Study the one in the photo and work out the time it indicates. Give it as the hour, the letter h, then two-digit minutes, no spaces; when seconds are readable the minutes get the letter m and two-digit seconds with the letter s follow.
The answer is 1h36m31s
